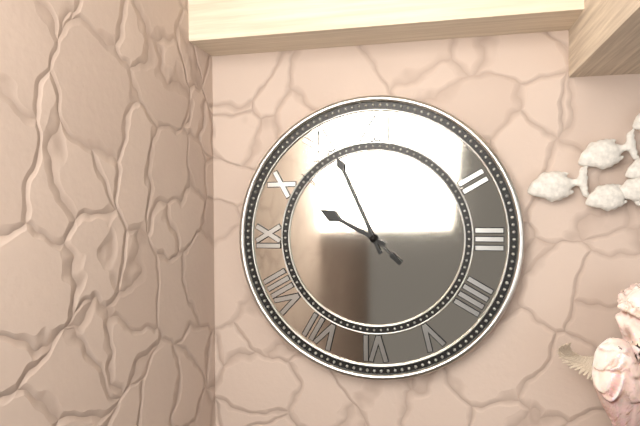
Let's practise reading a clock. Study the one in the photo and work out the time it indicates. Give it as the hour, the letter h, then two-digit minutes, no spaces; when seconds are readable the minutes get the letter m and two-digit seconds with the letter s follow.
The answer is 9h56m52s
